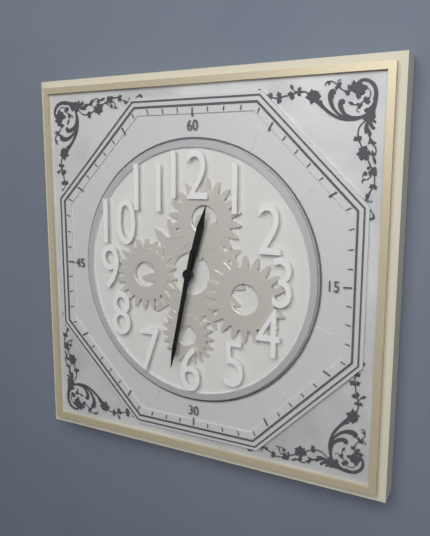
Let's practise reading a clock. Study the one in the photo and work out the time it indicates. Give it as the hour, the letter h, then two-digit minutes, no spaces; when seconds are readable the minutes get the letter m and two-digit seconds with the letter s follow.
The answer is 12h32
